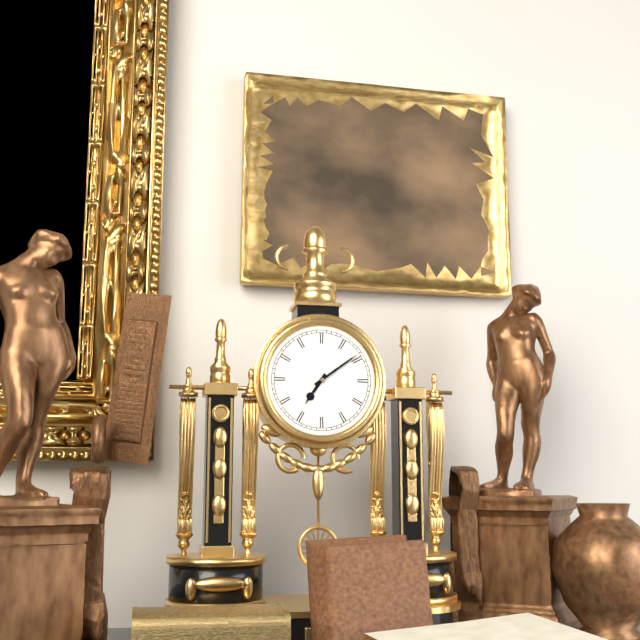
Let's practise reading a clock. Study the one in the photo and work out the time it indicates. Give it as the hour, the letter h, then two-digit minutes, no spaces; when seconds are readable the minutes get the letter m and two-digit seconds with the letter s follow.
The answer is 7h09
